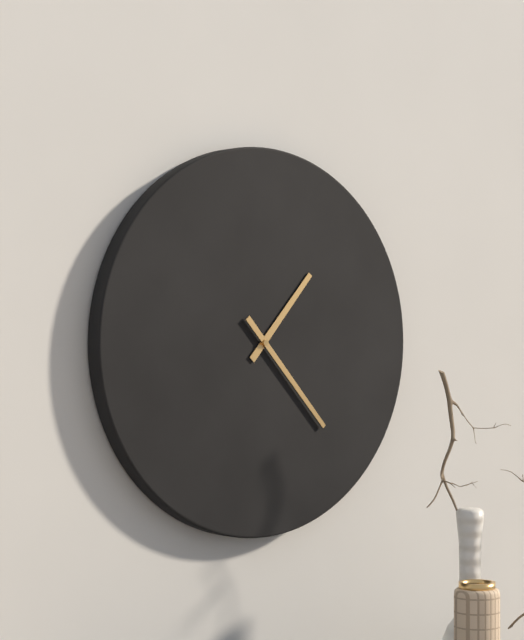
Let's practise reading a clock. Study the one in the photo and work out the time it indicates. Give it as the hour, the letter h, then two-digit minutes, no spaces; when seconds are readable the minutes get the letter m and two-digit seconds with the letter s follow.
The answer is 1h23
